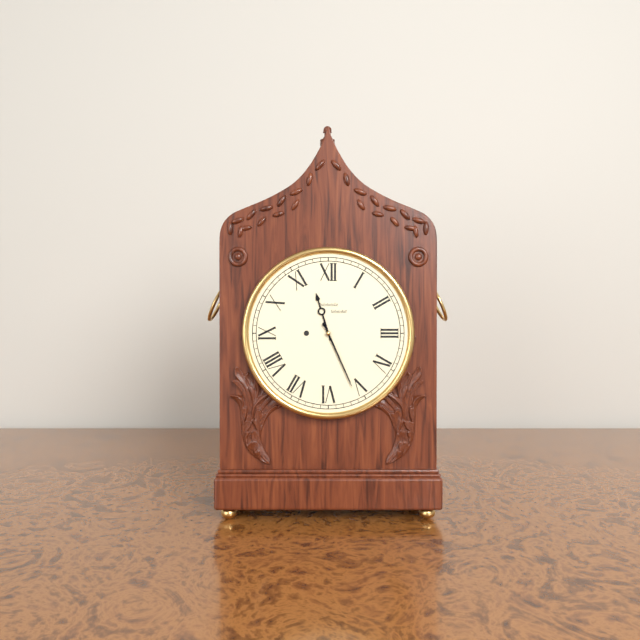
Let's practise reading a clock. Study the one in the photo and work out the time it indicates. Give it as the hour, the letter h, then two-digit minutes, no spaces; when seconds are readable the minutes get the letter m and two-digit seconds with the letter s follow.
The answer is 11h26
